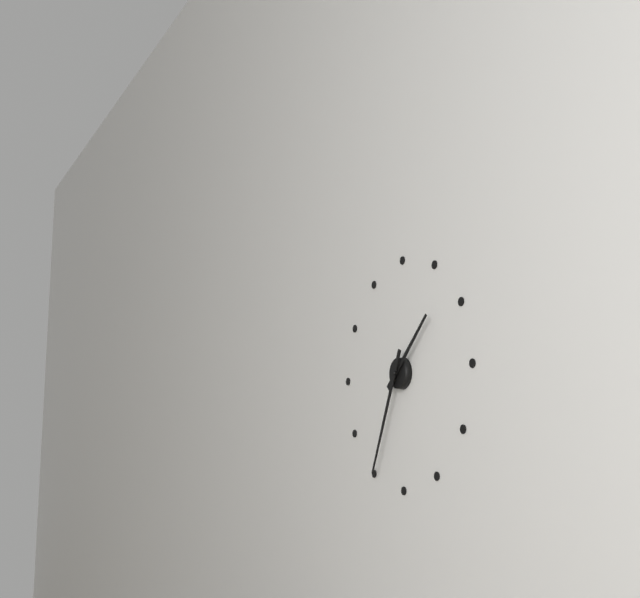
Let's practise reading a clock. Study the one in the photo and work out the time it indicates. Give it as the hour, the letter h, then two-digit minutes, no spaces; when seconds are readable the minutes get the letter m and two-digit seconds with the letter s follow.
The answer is 1h34
